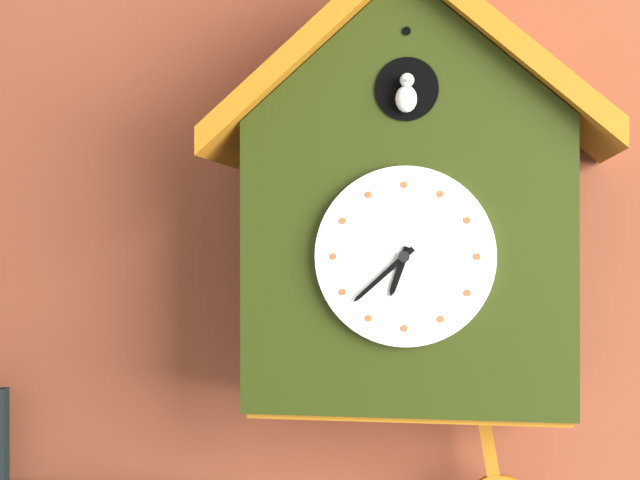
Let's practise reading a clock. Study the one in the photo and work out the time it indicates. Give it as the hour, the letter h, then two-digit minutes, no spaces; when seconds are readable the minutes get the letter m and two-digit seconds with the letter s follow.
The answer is 6h38
